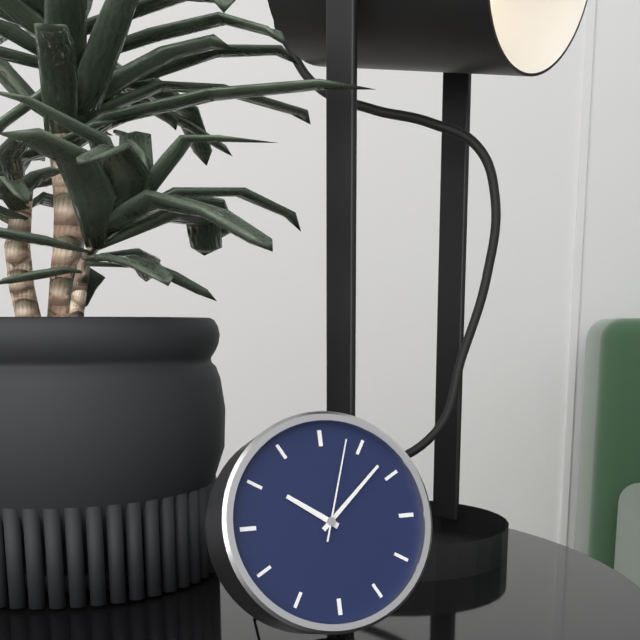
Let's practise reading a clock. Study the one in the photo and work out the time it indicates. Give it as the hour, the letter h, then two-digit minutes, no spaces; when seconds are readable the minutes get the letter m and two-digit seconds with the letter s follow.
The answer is 10h08m03s
